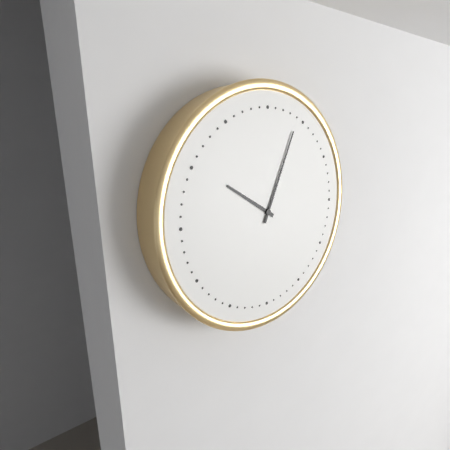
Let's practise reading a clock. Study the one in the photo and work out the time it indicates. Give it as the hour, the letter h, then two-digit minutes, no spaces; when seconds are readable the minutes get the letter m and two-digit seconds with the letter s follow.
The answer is 10h04
